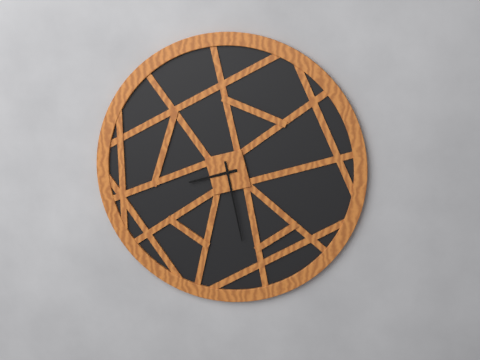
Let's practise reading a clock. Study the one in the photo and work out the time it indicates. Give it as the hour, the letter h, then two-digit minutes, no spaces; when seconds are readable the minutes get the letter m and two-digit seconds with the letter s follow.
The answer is 8h28
